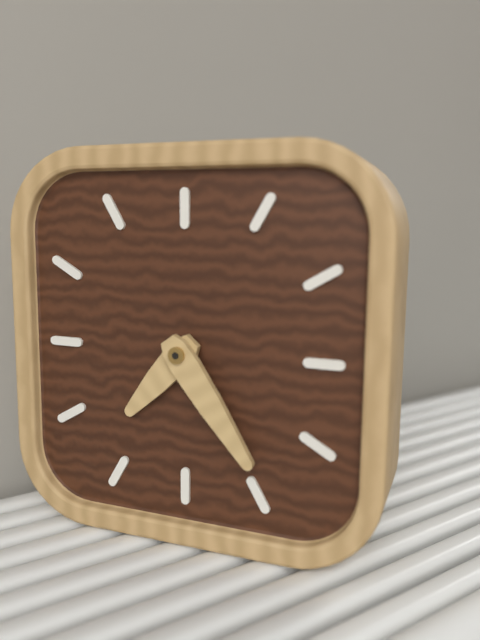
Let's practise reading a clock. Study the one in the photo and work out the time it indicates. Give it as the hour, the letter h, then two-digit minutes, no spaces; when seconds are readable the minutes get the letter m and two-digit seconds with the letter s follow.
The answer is 7h24
